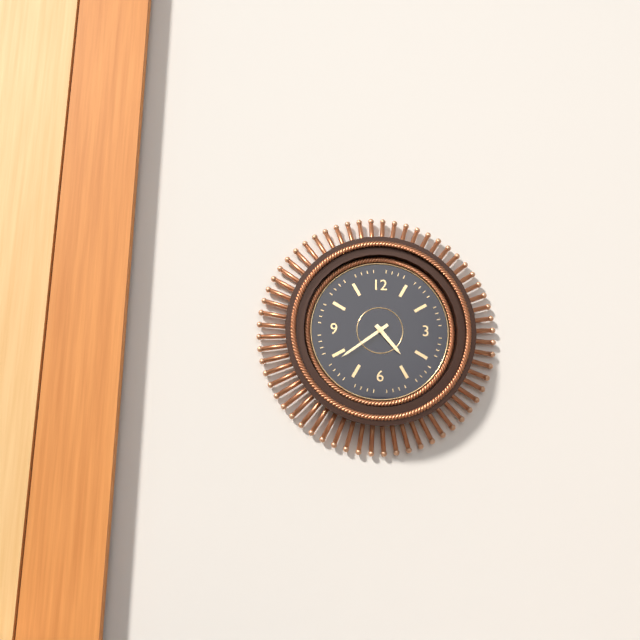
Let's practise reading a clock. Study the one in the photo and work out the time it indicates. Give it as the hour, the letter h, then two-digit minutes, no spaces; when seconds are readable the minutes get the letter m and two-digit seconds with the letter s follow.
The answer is 4h39
